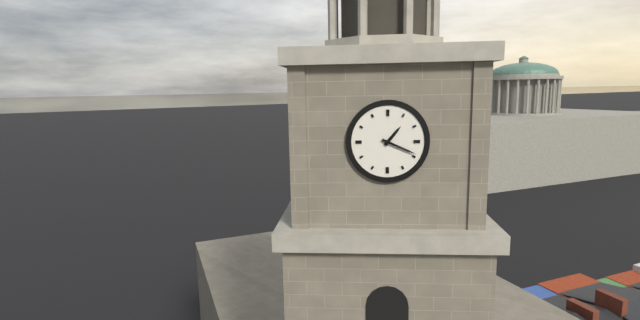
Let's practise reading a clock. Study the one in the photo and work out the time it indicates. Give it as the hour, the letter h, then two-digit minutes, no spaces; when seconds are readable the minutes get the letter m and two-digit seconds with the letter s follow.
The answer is 1h19
